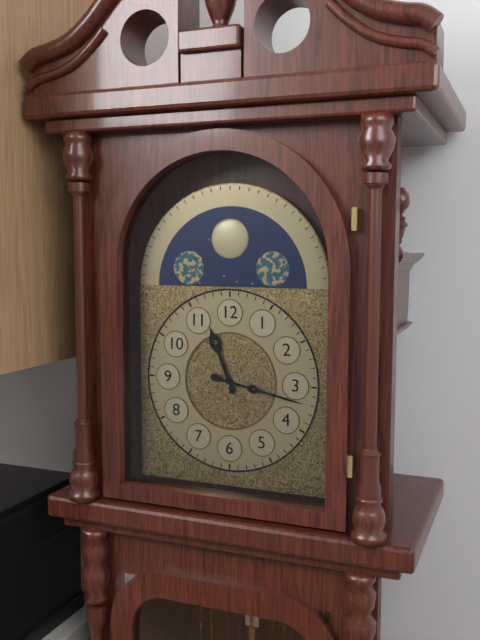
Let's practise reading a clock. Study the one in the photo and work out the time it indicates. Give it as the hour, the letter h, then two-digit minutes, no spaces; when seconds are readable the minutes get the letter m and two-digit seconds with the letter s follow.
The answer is 11h17
